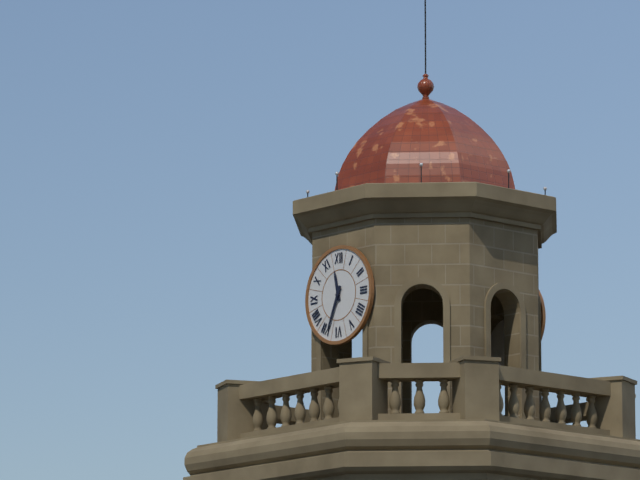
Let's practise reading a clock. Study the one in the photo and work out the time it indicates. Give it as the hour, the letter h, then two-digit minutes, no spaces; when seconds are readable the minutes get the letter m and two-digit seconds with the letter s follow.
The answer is 11h34
